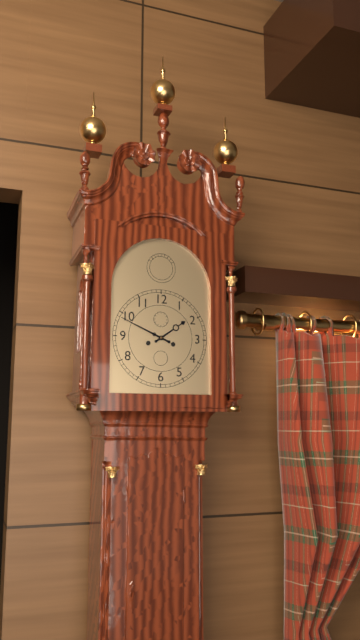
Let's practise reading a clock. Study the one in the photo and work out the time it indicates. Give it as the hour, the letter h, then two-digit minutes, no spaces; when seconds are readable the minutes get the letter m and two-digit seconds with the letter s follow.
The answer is 1h49
